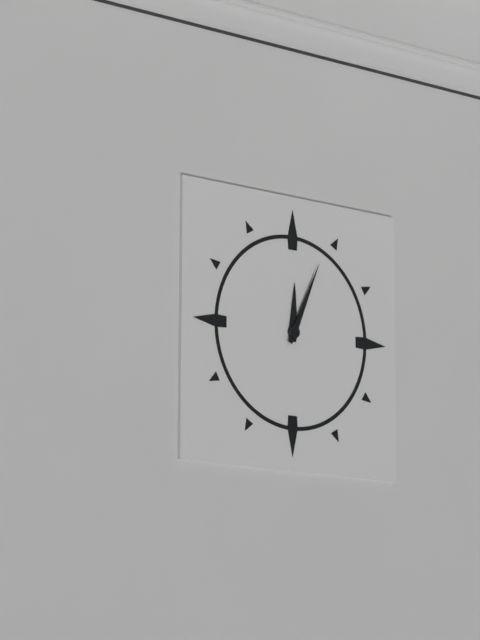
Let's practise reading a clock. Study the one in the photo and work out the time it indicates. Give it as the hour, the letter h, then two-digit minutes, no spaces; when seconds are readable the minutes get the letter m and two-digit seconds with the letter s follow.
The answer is 12h04
